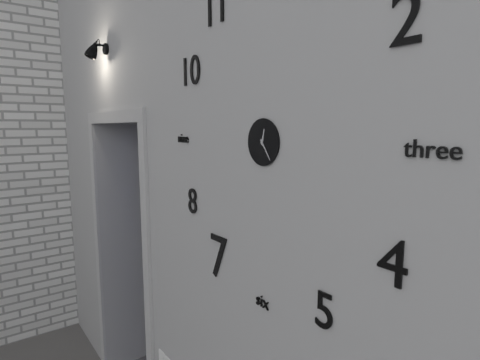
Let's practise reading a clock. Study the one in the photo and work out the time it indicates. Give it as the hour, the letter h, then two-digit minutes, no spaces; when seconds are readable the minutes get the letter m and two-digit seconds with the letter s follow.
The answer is 12h24
